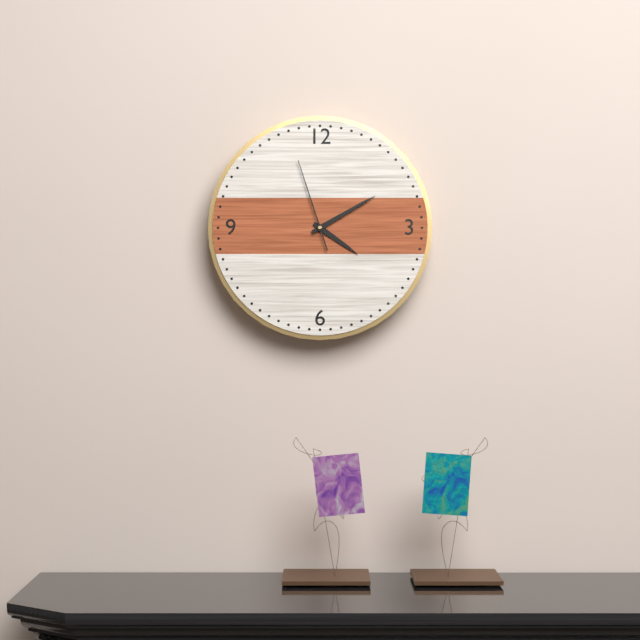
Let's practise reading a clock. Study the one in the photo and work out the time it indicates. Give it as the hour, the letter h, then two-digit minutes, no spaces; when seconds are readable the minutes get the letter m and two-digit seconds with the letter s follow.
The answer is 4h10m57s
